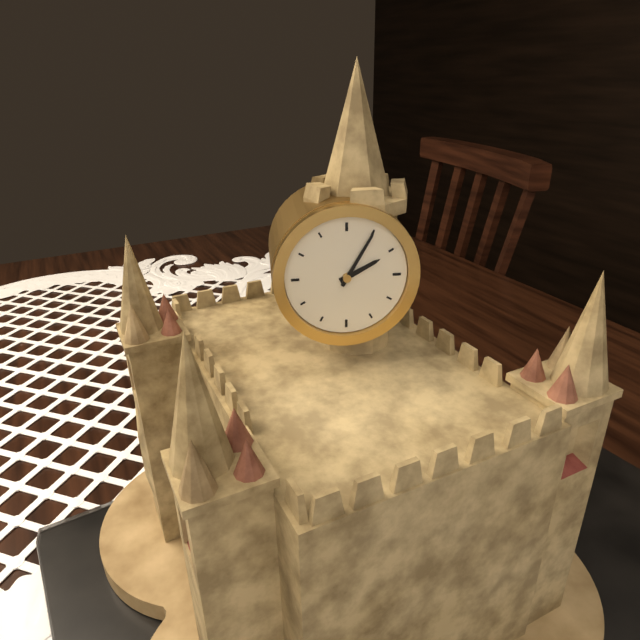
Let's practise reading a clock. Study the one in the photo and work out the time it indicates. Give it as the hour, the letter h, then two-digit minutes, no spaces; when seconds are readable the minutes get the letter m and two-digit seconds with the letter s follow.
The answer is 2h05
